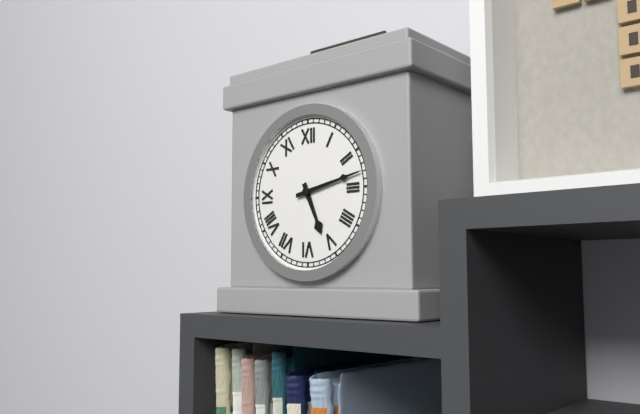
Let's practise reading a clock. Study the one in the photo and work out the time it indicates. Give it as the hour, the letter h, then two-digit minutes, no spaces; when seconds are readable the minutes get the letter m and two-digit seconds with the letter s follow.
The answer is 5h13
